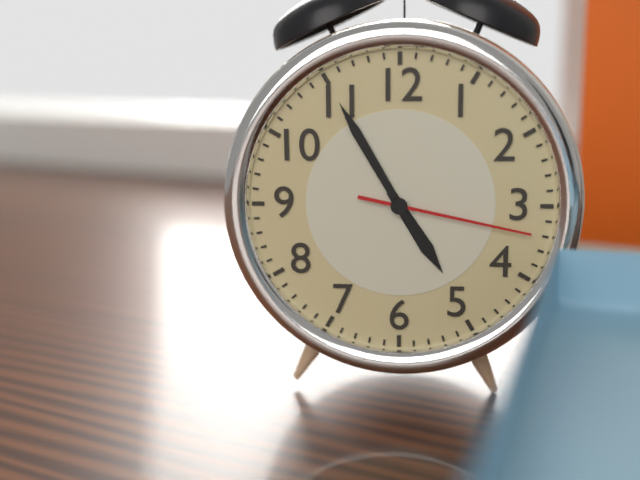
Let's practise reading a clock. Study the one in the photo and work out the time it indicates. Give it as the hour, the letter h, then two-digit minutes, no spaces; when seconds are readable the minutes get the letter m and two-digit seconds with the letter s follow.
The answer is 4h55m17s
